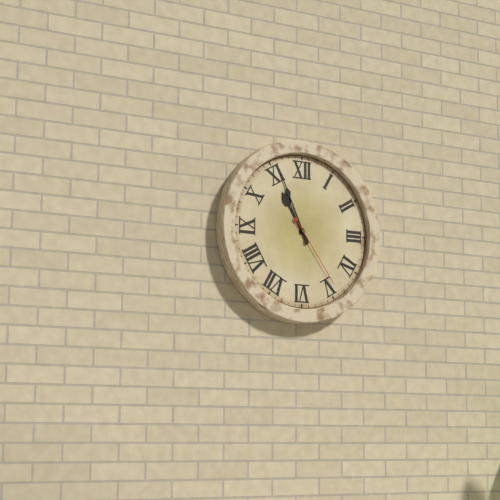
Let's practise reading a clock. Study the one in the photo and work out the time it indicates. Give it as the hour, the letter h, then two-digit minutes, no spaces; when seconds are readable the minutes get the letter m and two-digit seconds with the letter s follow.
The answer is 10h56m24s
